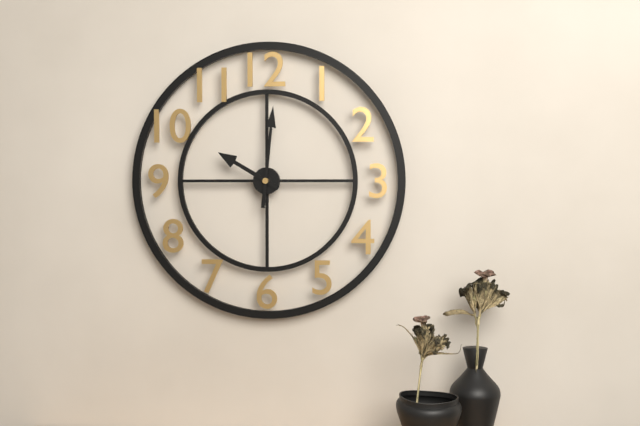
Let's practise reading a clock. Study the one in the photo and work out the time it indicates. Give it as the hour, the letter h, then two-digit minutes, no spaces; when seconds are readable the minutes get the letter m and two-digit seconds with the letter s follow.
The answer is 10h01
